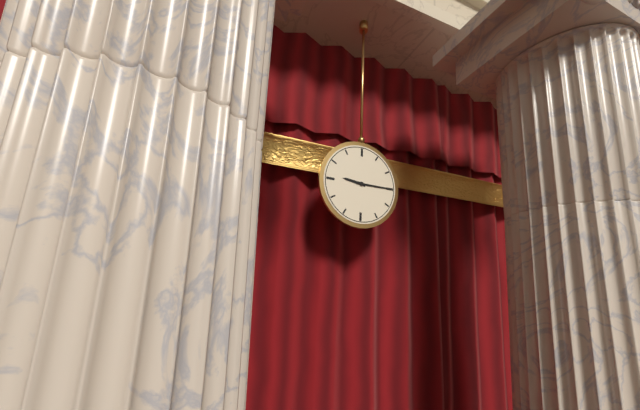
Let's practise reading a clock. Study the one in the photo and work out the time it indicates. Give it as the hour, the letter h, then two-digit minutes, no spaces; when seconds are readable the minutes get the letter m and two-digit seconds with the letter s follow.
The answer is 9h15
